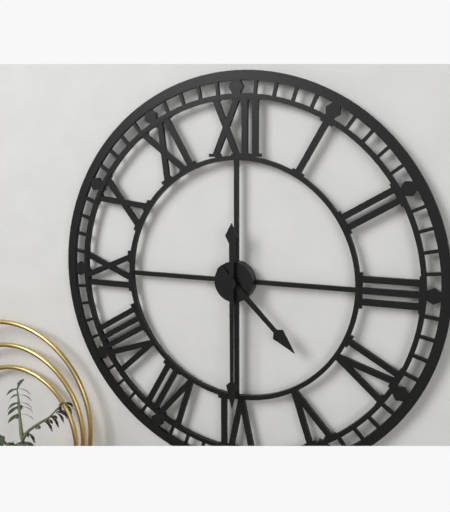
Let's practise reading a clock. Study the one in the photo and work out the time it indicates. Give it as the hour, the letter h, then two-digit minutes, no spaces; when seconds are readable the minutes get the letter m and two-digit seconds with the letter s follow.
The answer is 4h30
